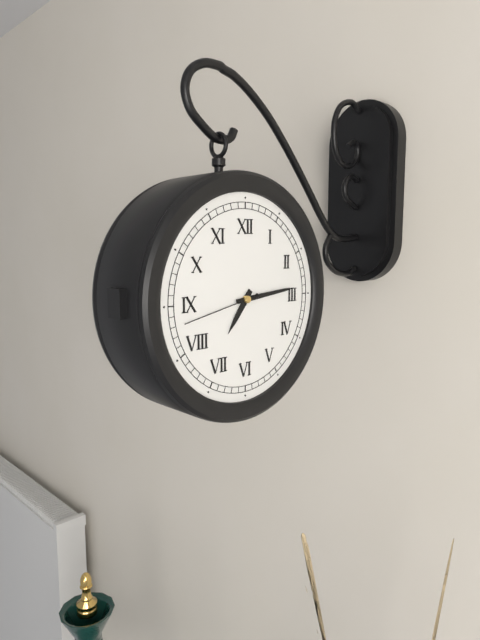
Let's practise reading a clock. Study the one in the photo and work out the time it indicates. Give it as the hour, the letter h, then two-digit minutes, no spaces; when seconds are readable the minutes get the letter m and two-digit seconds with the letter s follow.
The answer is 7h14m43s
